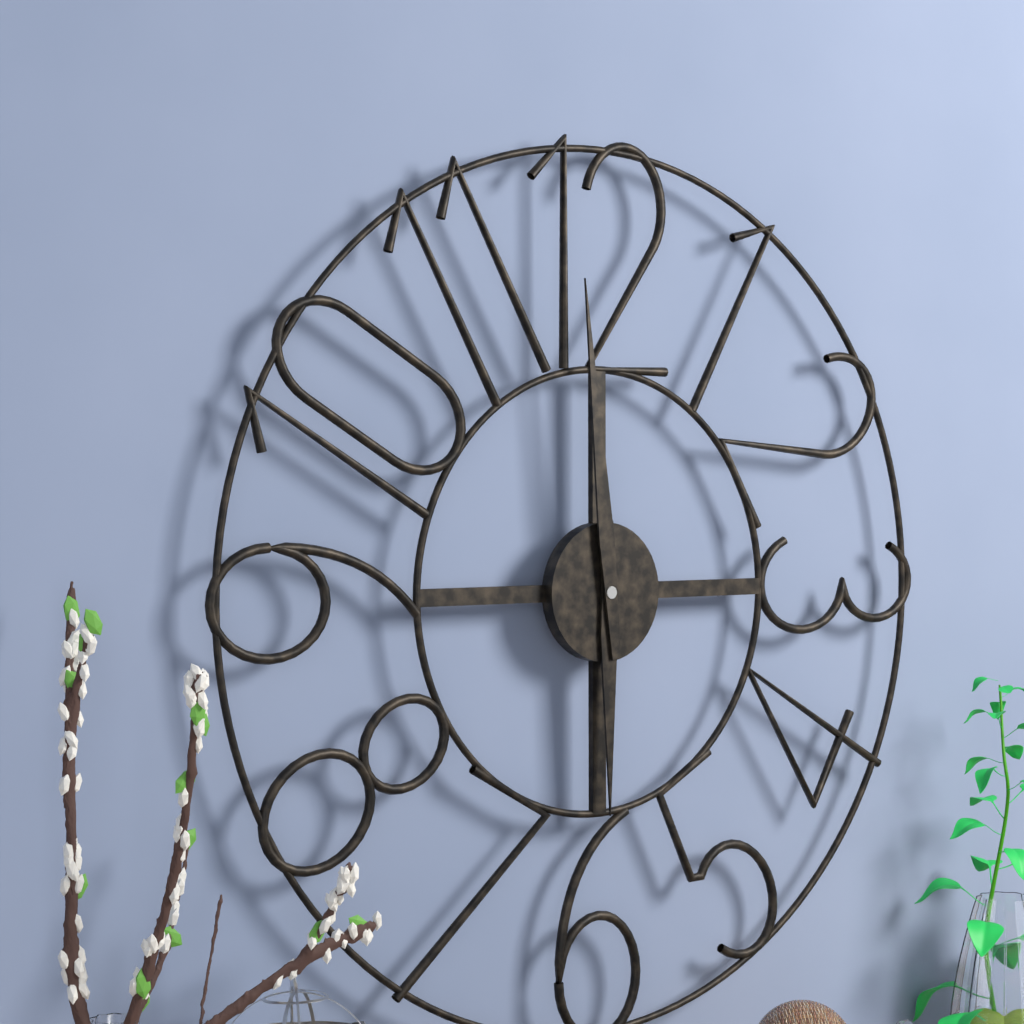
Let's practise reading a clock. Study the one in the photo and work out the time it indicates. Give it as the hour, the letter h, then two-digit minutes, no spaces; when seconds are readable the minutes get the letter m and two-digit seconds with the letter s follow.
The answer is 5h59
